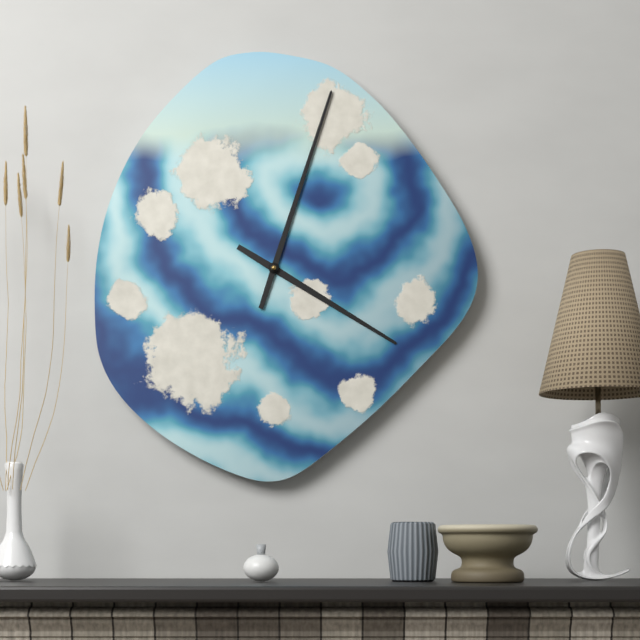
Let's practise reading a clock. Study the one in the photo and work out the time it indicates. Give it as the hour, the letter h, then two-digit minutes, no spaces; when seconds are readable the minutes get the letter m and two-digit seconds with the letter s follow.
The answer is 4h03
